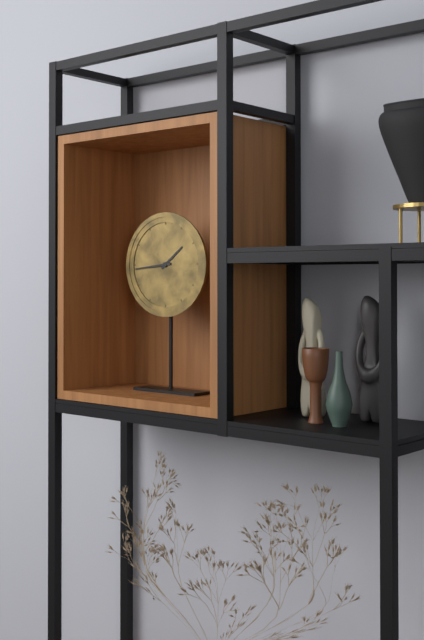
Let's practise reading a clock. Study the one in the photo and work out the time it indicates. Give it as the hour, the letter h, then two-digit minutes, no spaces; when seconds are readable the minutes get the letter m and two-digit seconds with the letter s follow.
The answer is 1h44
